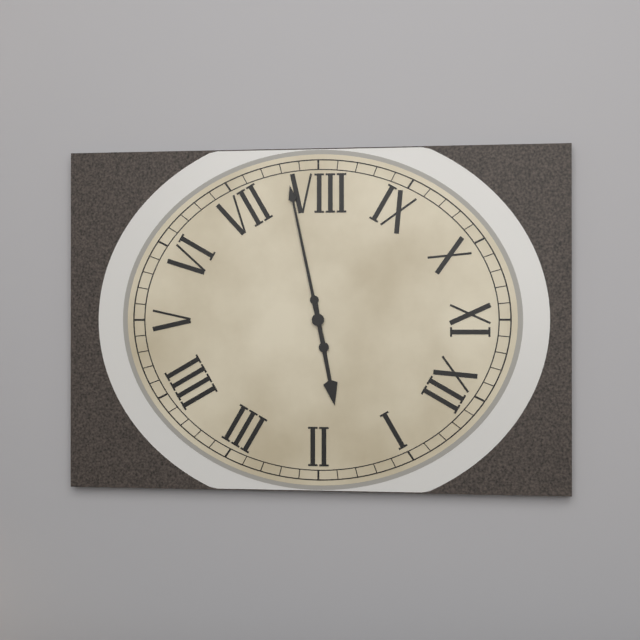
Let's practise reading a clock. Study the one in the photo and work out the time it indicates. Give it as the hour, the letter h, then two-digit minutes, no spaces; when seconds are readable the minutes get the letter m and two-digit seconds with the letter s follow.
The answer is 1h38
